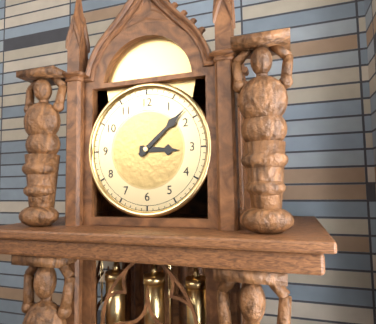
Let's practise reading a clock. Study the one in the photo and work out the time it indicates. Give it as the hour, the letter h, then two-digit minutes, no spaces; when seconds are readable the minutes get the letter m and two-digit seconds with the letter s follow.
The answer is 3h08
